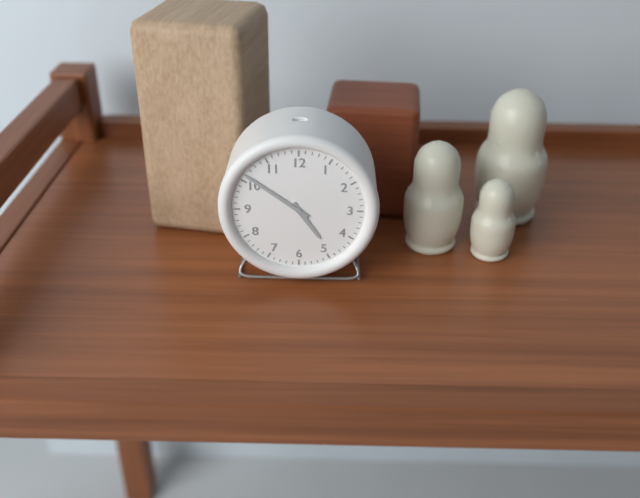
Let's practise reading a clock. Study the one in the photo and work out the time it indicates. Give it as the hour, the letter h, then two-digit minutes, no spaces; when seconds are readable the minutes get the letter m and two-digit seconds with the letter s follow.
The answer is 4h51
